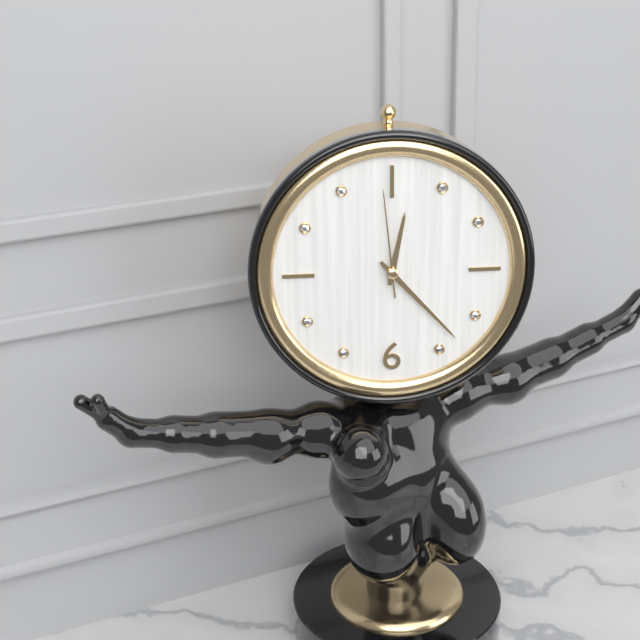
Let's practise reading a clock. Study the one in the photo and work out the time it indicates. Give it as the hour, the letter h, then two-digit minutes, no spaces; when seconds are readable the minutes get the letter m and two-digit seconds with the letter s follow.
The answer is 12h23m59s
